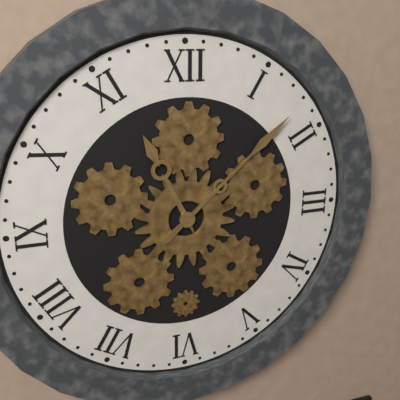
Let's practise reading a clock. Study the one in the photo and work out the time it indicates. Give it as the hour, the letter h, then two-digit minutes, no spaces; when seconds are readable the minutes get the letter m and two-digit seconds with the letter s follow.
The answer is 11h08
